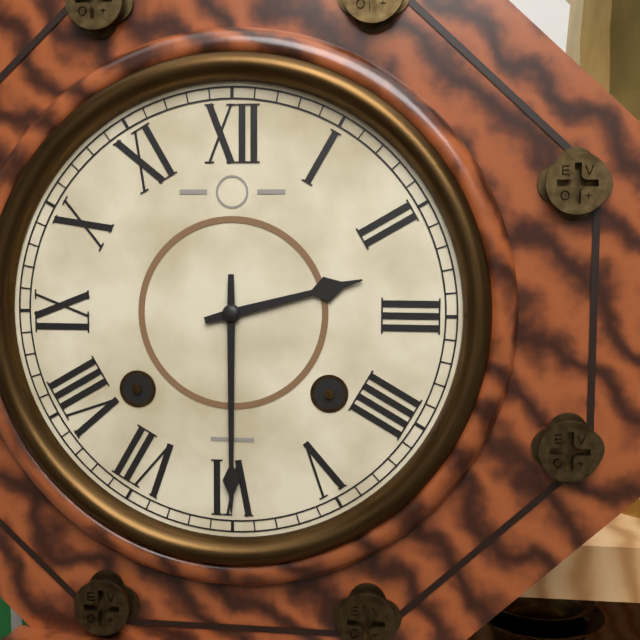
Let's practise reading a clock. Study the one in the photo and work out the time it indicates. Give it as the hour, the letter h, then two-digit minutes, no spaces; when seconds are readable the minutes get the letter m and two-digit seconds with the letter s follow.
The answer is 2h30
